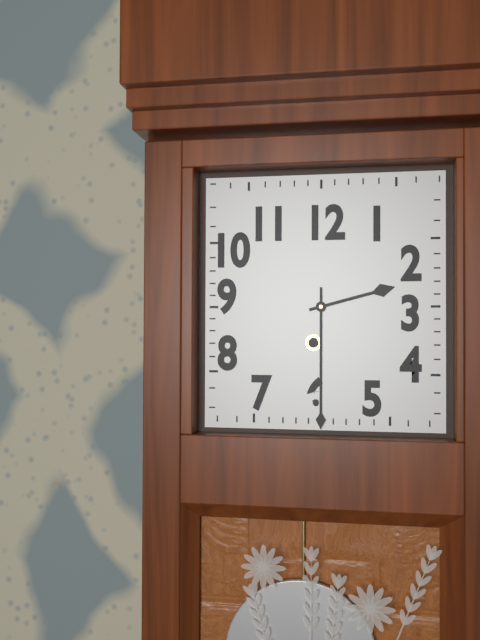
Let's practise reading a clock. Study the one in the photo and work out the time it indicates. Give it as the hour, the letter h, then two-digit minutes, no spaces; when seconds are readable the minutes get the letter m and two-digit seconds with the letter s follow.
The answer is 2h30
